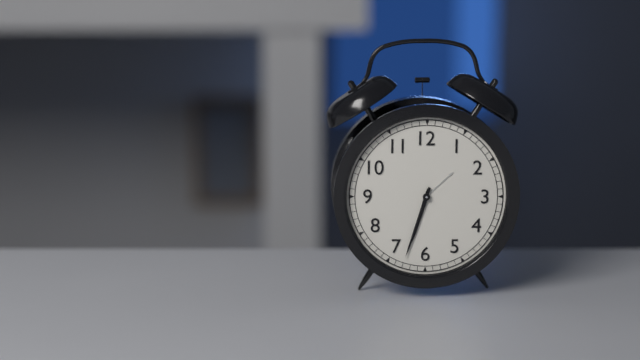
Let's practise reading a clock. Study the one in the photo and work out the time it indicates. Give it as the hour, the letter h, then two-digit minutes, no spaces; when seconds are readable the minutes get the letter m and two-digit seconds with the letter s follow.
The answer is 6h33
